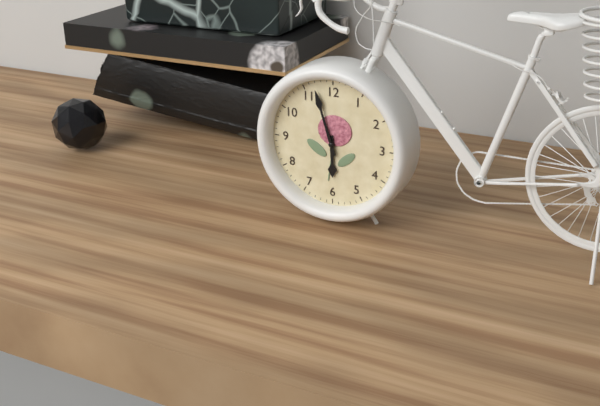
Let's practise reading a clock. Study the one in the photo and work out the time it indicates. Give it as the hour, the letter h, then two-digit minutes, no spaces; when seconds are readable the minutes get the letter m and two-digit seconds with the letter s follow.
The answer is 5h57
